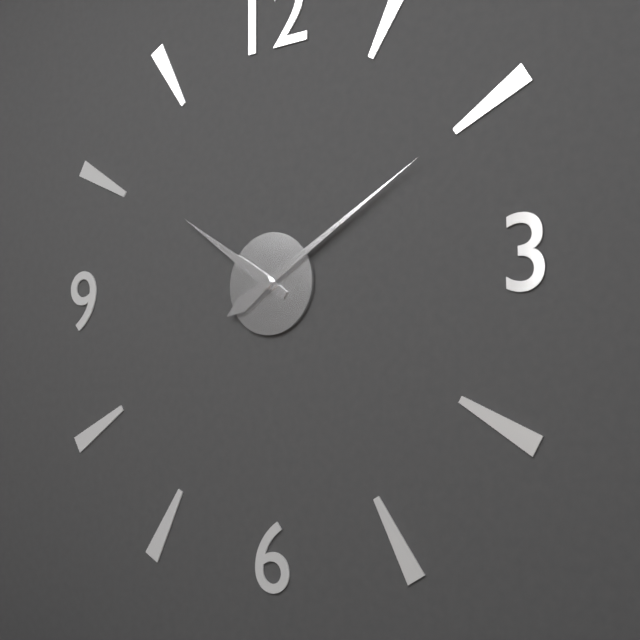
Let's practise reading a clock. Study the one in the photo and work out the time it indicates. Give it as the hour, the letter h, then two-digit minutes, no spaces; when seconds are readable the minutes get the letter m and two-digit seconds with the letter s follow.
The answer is 10h10
